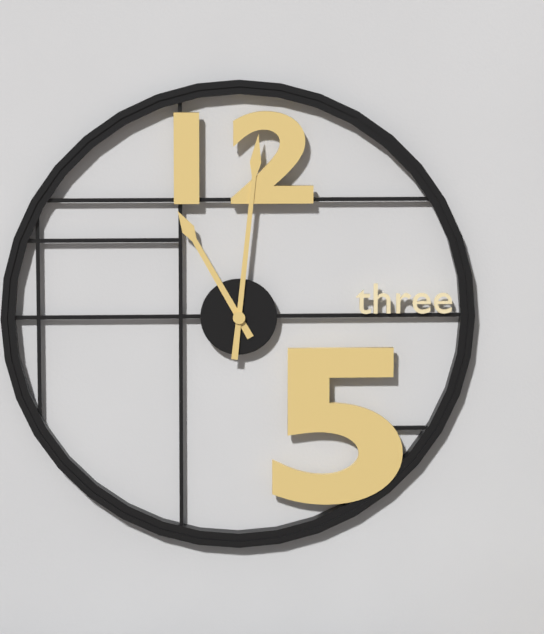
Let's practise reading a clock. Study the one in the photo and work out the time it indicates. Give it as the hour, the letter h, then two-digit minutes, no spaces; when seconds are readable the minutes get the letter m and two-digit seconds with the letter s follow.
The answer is 11h01
